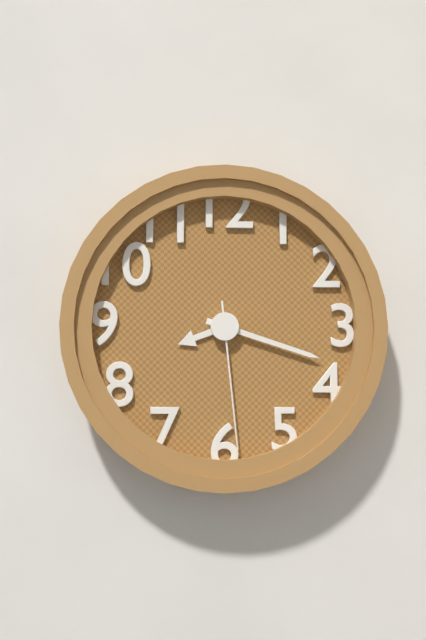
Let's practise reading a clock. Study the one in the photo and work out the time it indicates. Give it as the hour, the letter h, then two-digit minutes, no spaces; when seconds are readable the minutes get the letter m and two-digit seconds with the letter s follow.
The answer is 8h18m29s
